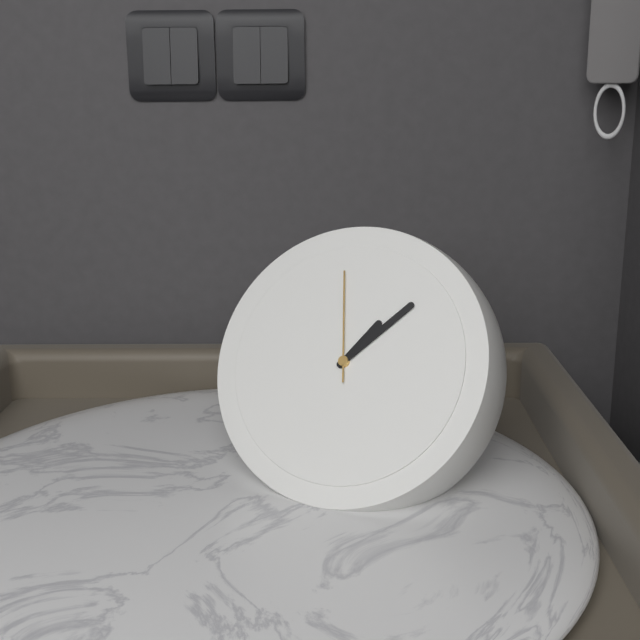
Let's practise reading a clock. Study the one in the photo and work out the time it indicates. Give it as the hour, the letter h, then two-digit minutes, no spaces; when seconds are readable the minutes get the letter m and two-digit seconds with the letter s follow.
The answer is 1h07m58s
